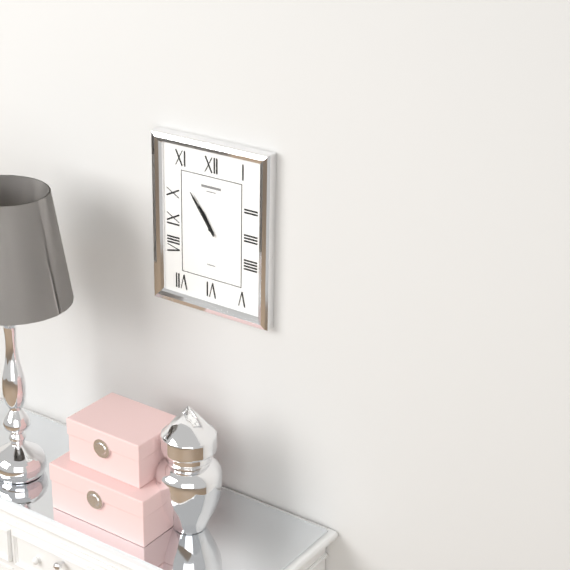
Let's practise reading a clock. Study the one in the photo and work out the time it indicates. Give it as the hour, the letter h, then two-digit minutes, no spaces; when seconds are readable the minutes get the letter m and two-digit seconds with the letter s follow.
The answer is 10h54
